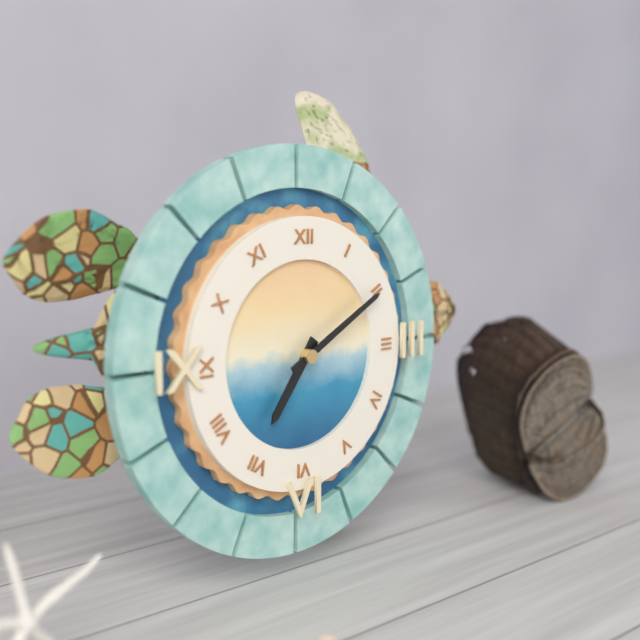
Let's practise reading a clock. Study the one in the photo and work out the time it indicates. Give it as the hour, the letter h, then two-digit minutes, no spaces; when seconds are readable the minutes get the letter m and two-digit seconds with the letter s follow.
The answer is 7h10
